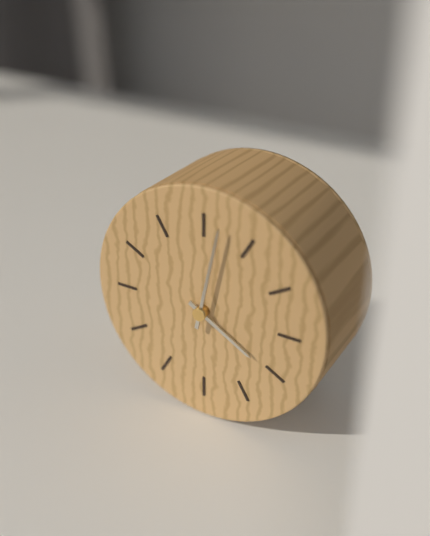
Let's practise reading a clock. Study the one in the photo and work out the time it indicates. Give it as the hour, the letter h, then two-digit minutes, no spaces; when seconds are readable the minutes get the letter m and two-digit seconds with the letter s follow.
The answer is 4h02
